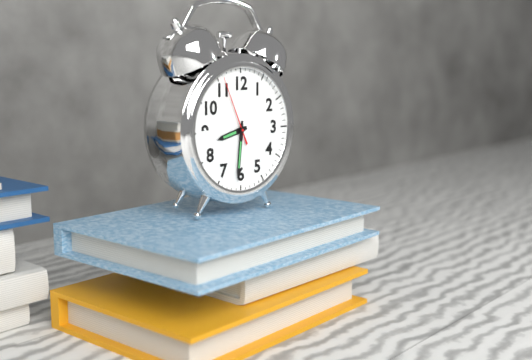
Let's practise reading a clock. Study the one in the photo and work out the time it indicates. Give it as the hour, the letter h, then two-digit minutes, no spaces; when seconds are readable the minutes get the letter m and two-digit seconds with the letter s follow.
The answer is 8h31m56s
